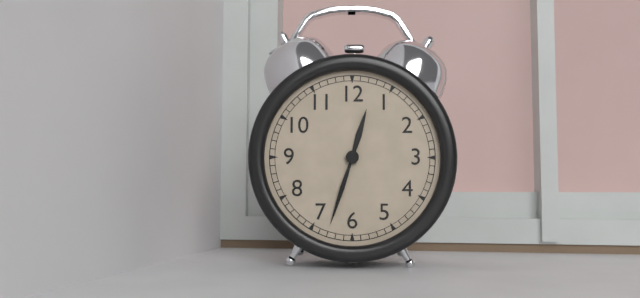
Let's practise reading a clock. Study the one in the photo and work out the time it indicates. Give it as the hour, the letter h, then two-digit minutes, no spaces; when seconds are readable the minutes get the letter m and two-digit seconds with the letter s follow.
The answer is 12h33
